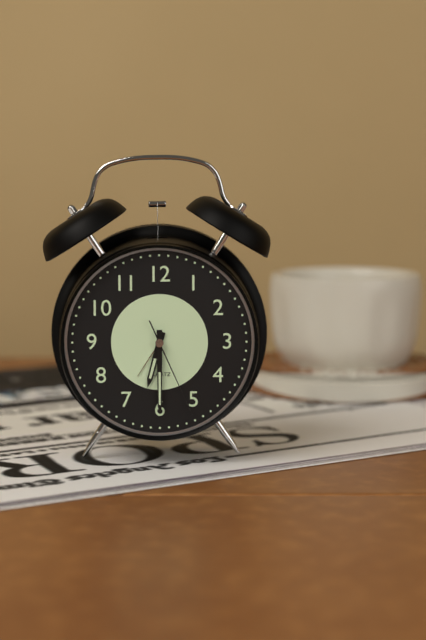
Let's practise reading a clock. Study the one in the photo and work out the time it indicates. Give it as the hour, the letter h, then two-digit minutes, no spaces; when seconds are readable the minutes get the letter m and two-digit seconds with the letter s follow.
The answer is 6h30m26s
